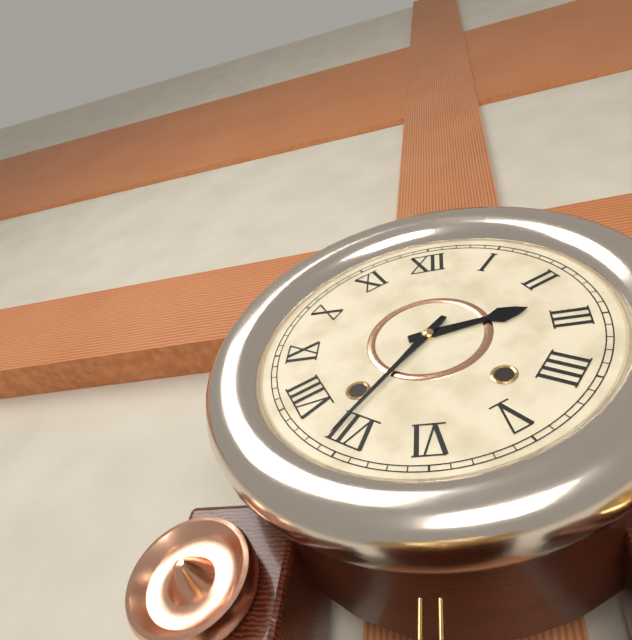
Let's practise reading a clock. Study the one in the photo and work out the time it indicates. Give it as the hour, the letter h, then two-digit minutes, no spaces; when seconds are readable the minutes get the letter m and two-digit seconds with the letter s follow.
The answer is 2h36
